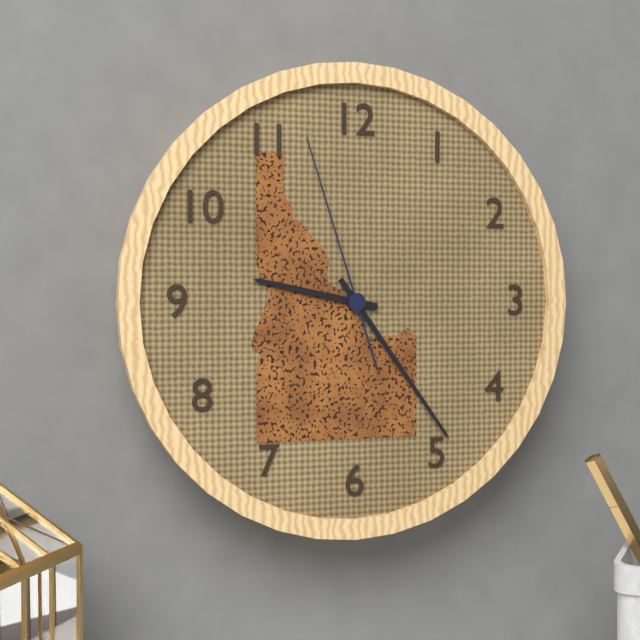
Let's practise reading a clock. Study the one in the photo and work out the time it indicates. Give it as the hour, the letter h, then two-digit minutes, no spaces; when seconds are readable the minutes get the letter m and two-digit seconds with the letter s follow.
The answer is 9h24m57s
